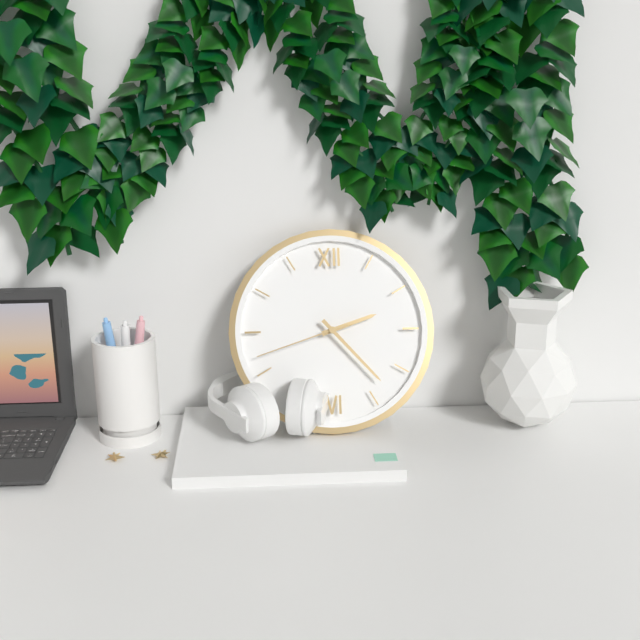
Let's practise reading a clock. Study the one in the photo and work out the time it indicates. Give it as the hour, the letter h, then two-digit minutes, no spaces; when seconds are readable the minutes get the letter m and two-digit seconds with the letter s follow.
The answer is 2h23m42s
